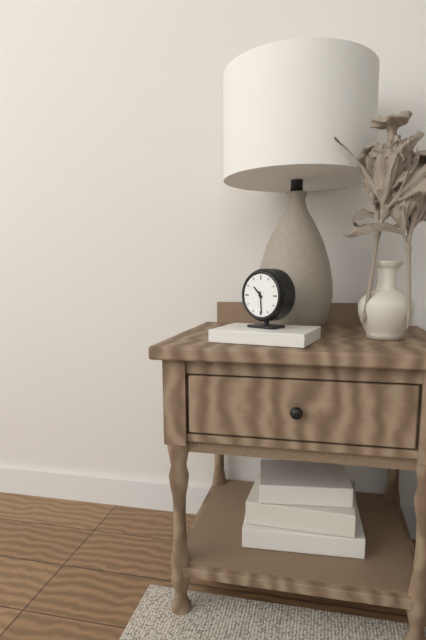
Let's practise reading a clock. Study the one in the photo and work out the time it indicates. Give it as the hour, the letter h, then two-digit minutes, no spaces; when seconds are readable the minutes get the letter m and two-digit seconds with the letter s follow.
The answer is 10h29
